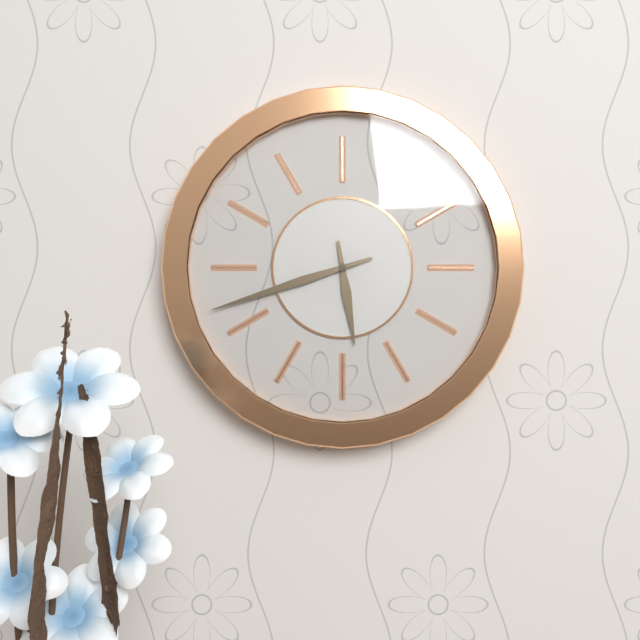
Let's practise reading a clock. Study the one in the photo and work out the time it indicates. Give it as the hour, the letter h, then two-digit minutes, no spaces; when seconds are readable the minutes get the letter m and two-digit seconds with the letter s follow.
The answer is 5h42
